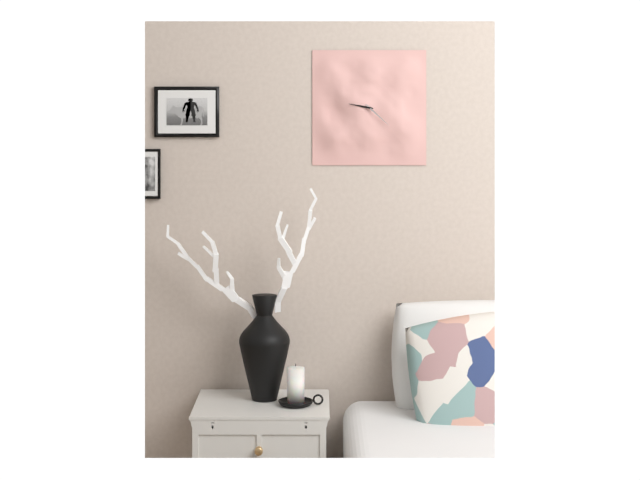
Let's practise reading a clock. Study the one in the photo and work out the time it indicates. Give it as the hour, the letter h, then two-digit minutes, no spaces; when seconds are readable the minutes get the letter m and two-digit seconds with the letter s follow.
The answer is 9h22
